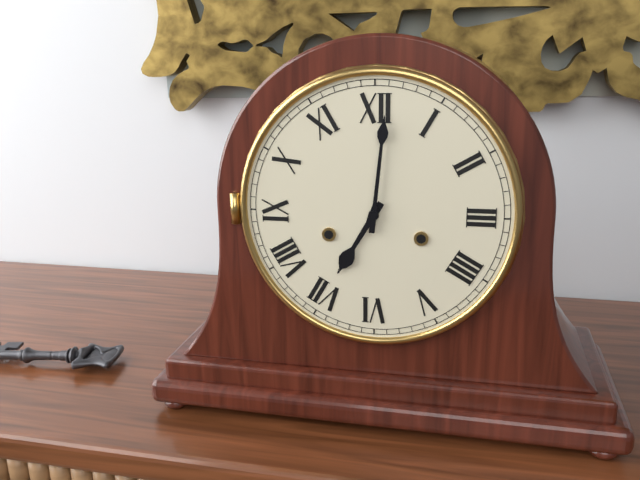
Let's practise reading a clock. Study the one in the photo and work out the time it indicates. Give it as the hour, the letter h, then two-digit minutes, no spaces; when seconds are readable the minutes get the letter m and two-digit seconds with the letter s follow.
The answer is 7h01
